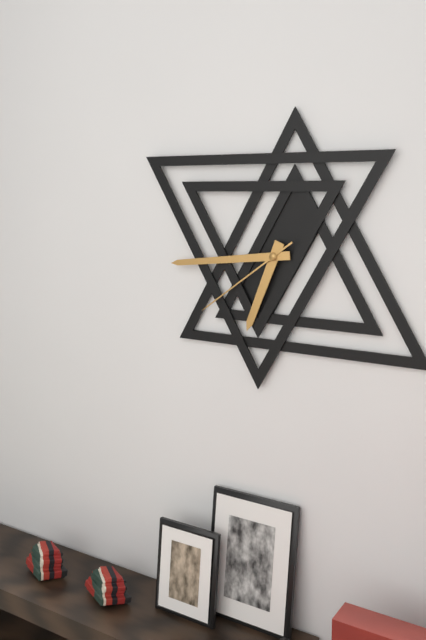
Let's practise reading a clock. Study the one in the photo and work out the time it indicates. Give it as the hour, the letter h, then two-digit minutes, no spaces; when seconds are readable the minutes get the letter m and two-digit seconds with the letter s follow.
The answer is 6h44m39s
